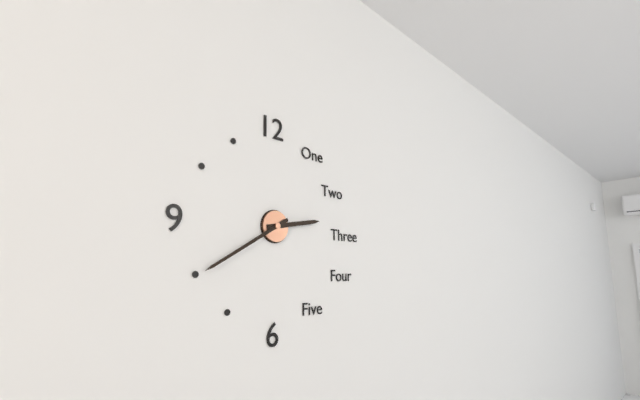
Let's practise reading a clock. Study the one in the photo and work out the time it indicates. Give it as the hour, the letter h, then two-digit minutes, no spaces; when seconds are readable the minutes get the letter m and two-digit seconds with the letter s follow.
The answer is 2h40
